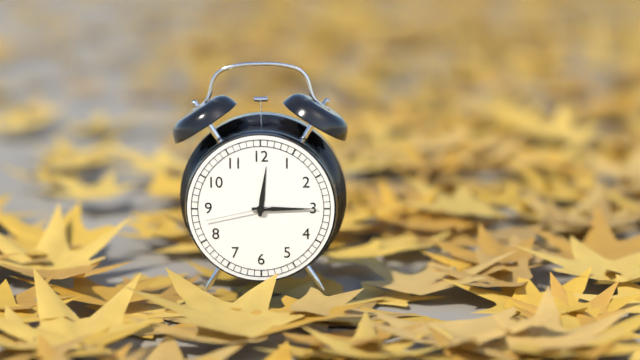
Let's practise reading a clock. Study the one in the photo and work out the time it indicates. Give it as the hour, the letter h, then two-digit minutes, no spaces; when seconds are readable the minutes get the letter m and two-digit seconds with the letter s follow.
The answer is 12h15m43s
